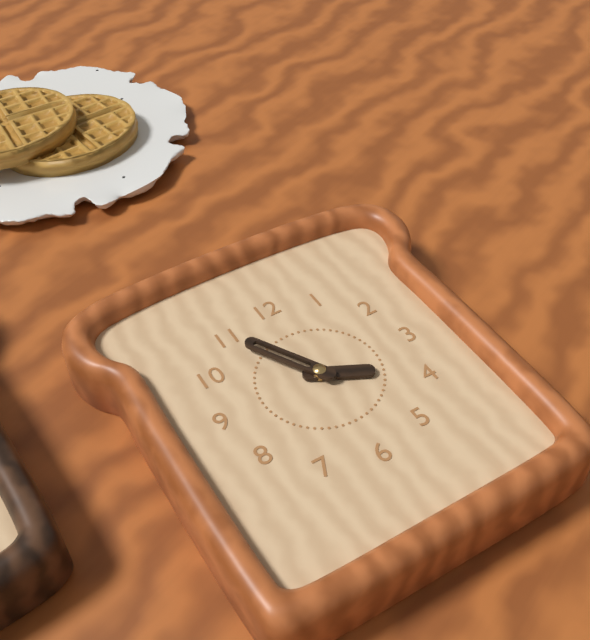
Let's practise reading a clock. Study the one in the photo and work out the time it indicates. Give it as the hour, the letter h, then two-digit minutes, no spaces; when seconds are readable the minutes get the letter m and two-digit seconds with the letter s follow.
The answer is 3h55
